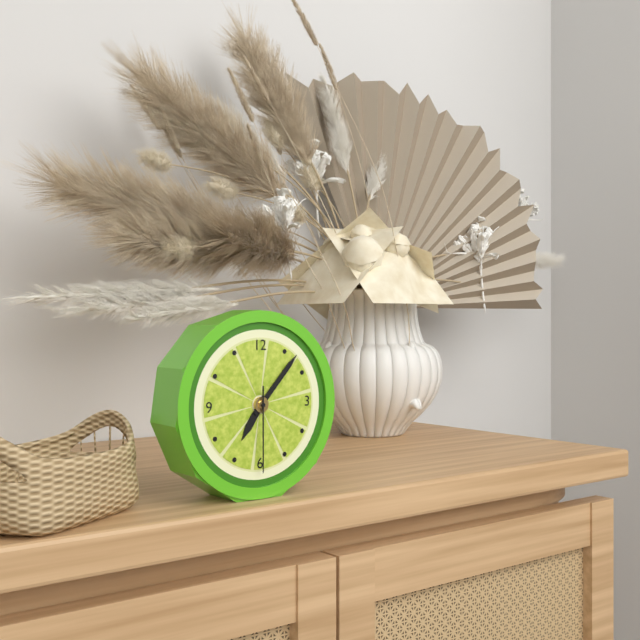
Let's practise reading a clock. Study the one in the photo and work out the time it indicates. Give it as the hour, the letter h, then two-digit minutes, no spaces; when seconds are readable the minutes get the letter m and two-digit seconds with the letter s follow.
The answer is 7h07m30s
